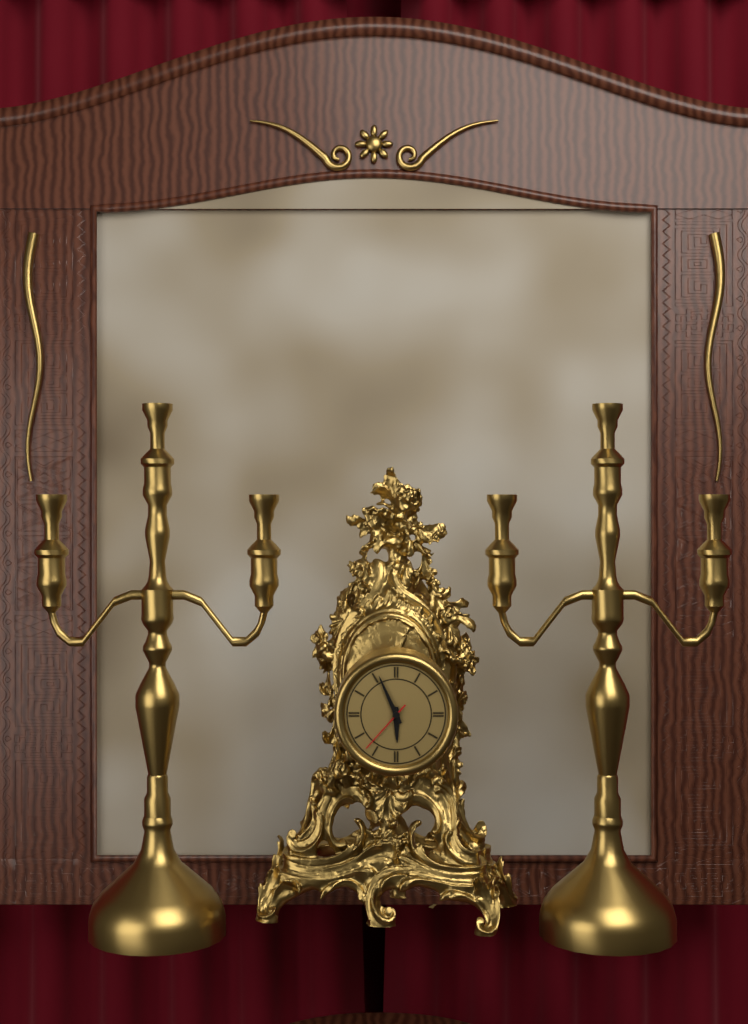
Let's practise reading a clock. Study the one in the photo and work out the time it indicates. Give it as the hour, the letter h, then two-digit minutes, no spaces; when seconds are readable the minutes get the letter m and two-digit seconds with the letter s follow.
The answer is 5h56m37s
